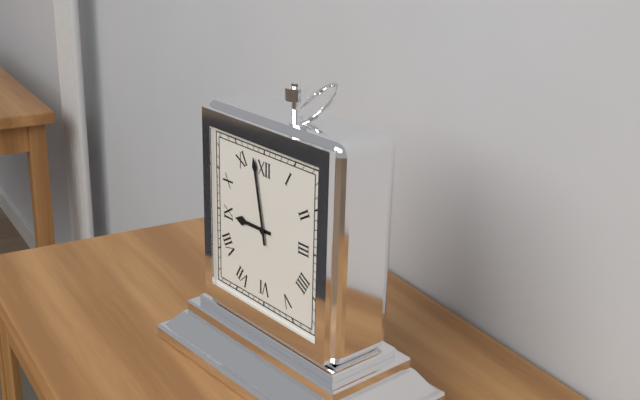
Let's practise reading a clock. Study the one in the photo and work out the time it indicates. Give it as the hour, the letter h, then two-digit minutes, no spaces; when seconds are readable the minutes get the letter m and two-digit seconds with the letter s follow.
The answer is 8h58
